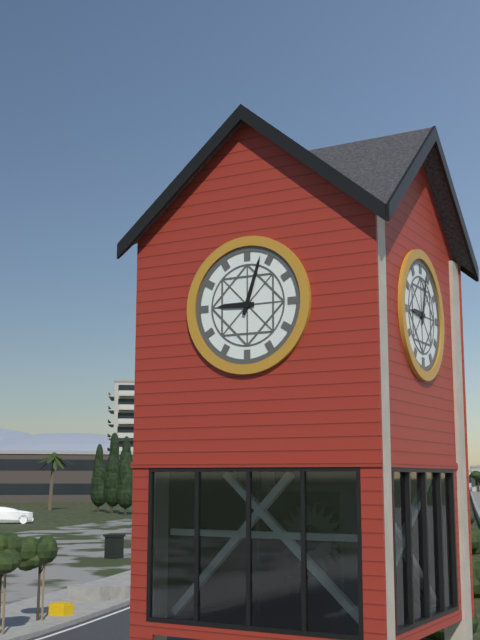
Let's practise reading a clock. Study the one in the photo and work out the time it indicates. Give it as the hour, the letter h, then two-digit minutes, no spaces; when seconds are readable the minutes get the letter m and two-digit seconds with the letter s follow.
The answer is 9h03
